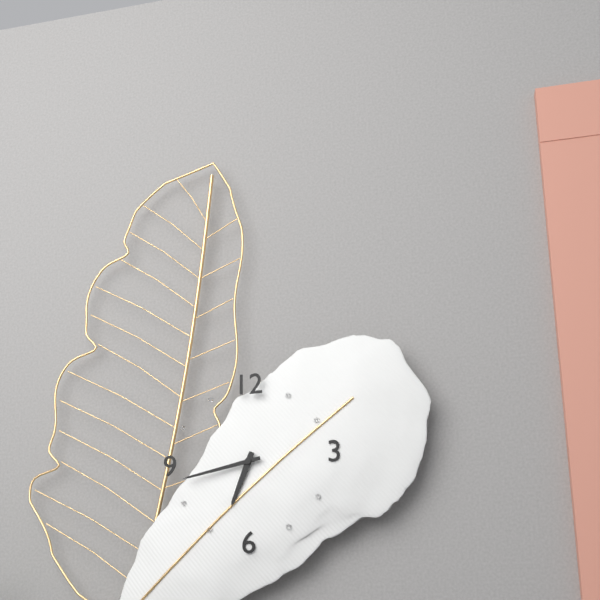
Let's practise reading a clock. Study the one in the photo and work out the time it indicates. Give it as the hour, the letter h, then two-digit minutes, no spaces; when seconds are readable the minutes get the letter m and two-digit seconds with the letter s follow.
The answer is 6h43
